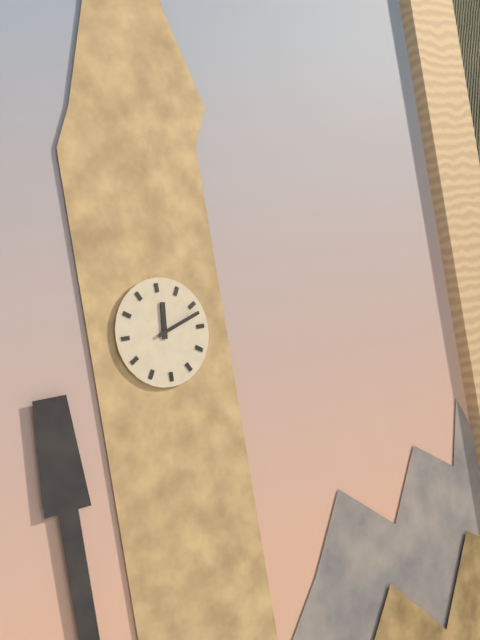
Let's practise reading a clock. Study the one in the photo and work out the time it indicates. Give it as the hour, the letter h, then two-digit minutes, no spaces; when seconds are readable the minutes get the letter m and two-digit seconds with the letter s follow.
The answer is 12h12
